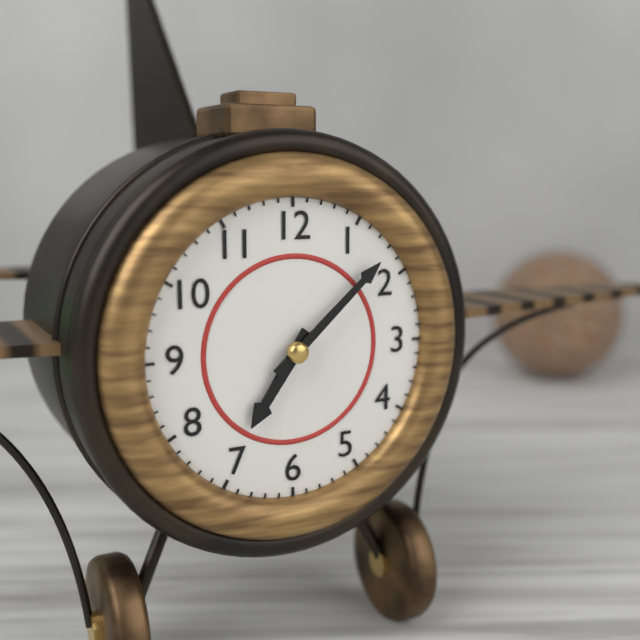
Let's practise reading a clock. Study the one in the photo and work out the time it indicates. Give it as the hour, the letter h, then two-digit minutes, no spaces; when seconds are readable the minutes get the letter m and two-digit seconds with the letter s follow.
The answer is 7h08
